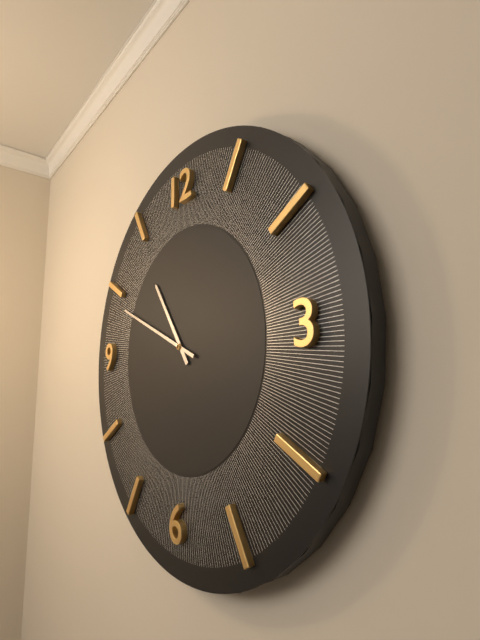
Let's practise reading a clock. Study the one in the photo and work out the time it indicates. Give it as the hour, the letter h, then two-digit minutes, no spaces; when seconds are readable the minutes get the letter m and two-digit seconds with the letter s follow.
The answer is 10h49
